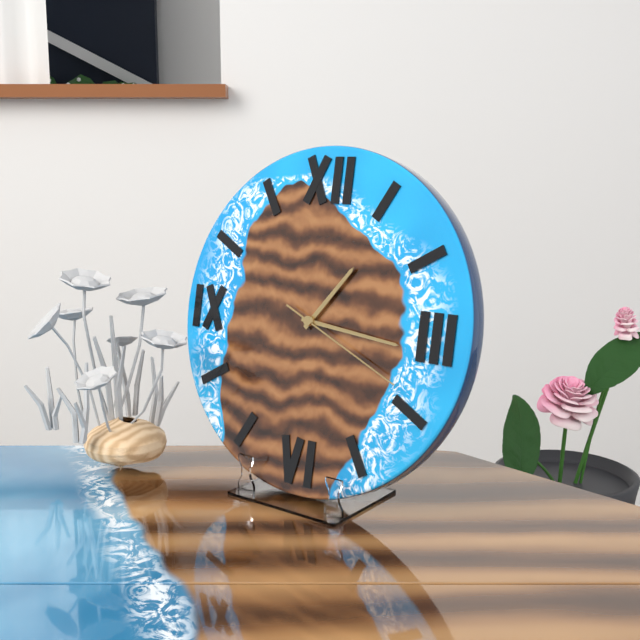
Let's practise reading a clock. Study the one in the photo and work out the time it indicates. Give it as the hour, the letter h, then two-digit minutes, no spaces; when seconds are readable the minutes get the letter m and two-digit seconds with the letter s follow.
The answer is 1h16m19s
